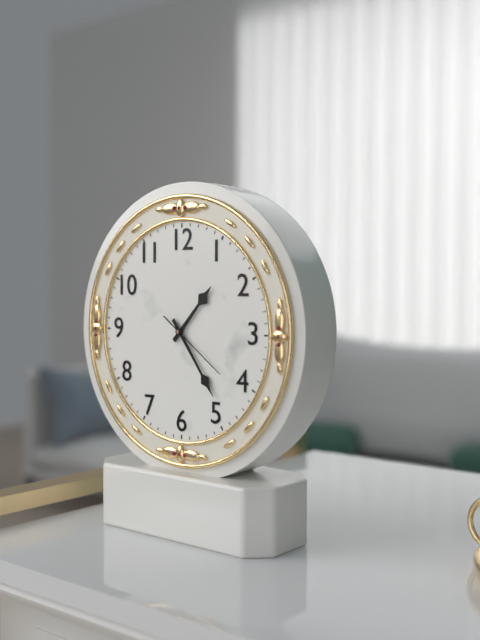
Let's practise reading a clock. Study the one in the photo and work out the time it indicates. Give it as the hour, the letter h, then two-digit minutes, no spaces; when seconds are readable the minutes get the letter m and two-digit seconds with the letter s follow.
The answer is 1h24m21s
